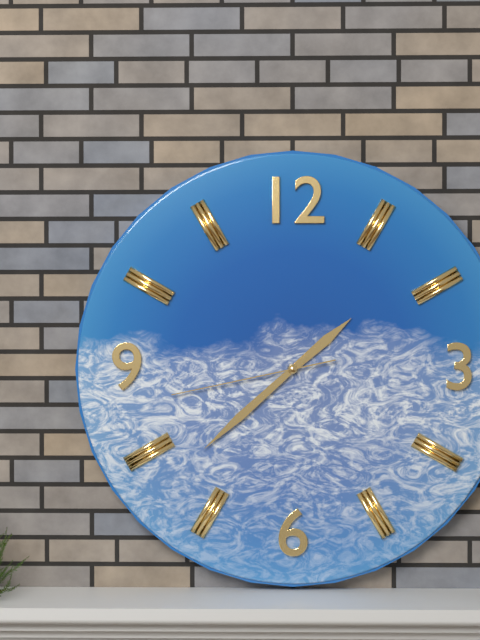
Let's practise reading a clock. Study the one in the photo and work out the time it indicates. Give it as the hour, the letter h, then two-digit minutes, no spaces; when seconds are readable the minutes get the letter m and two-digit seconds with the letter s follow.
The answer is 1h38m43s
